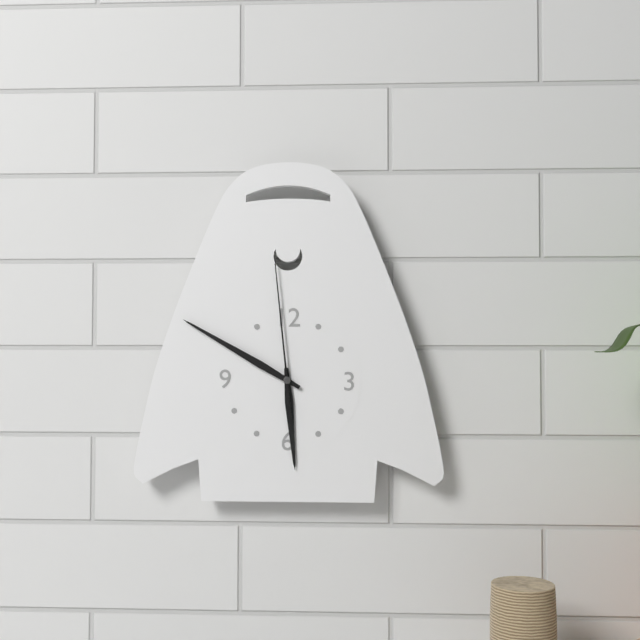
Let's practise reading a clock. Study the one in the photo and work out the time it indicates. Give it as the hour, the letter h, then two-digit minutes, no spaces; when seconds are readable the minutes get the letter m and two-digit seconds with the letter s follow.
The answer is 5h50m59s
